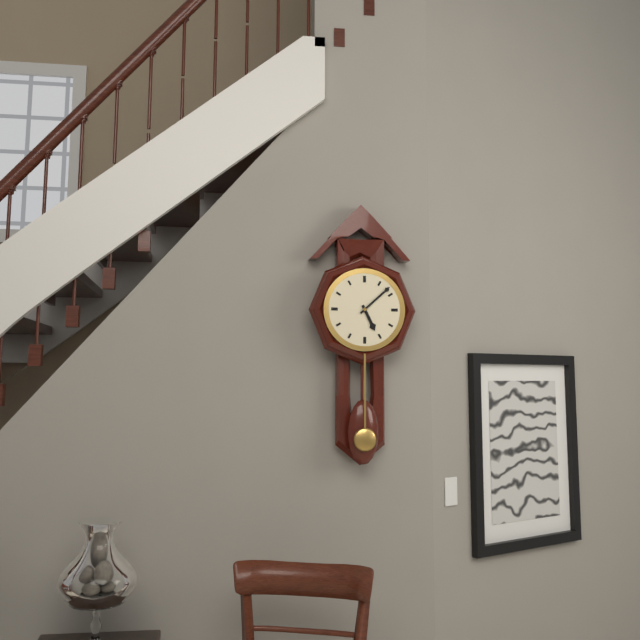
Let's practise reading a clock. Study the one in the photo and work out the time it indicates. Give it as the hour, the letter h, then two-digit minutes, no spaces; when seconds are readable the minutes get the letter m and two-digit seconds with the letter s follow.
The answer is 5h08
